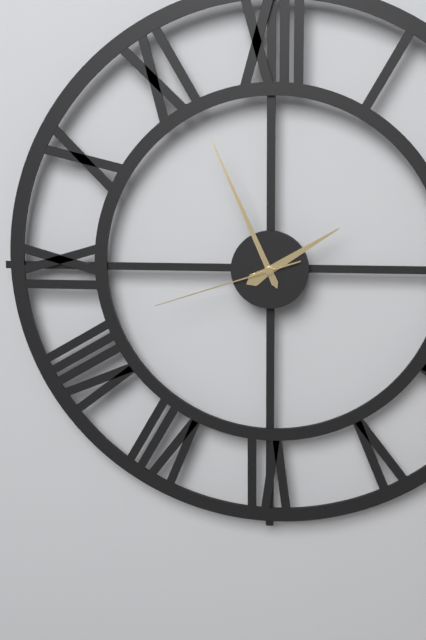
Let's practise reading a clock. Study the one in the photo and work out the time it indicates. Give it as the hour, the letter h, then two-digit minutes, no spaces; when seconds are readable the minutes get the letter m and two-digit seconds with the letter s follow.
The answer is 1h56m42s
